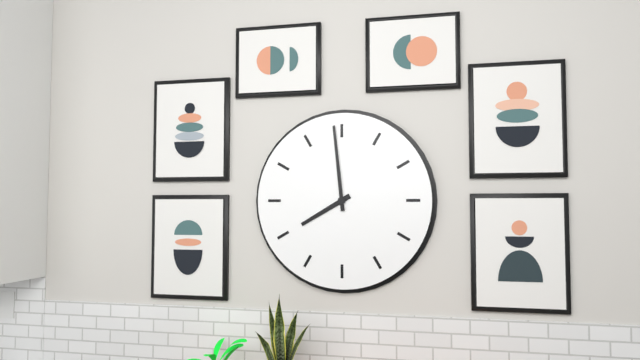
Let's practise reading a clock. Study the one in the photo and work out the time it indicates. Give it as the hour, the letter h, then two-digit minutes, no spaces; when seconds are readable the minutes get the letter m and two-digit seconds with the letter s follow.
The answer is 7h59
